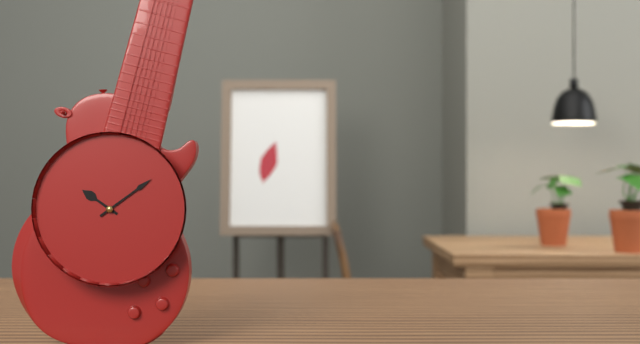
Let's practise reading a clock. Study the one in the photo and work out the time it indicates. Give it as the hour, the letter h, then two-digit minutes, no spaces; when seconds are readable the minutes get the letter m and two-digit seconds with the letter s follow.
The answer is 10h09
